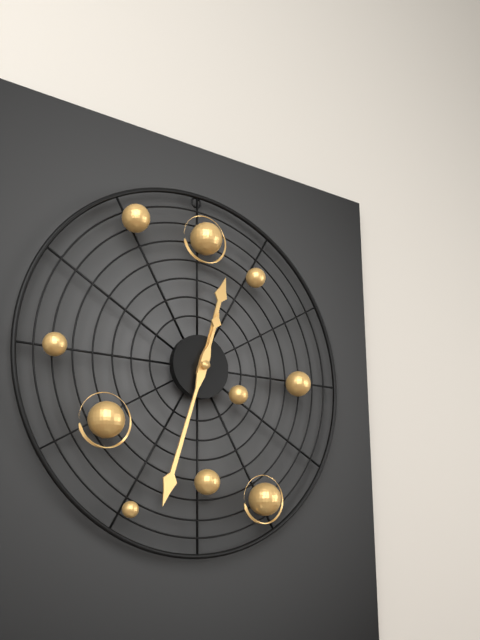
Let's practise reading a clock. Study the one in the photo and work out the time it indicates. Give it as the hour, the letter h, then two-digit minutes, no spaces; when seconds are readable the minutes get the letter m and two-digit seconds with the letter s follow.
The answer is 12h33
